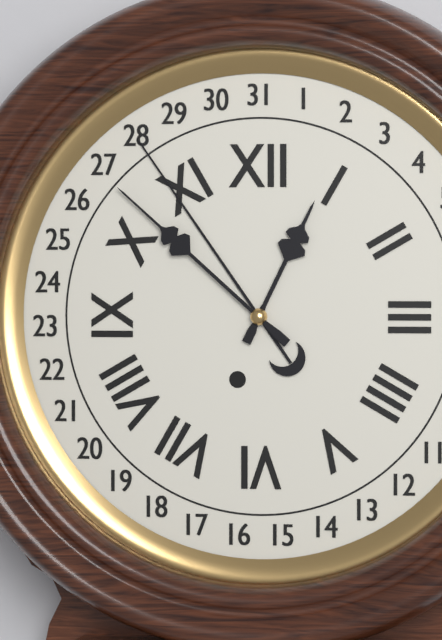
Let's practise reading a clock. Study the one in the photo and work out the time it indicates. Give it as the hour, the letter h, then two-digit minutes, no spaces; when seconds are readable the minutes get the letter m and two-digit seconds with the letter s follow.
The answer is 12h52
